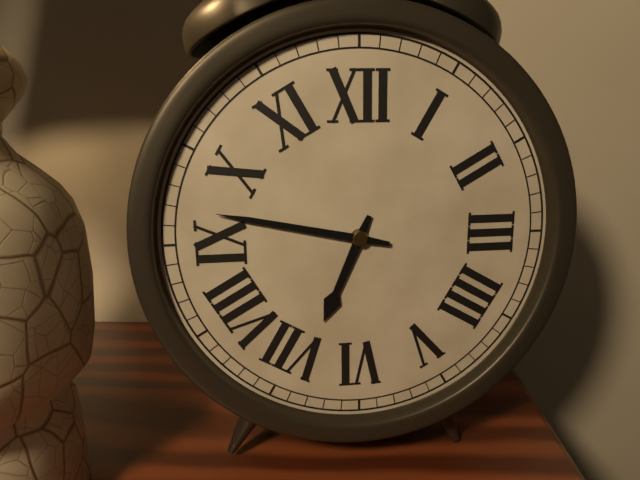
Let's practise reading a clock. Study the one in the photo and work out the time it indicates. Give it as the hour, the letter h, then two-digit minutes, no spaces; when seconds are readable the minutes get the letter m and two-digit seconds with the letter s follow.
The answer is 6h47
